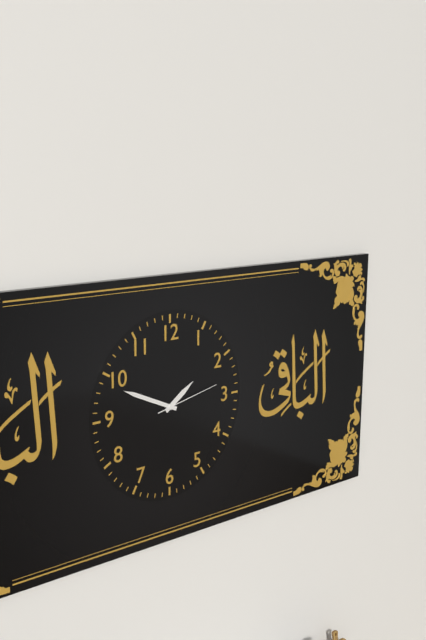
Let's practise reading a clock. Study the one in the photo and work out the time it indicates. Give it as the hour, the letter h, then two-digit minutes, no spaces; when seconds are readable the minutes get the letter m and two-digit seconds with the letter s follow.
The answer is 1h49m13s
